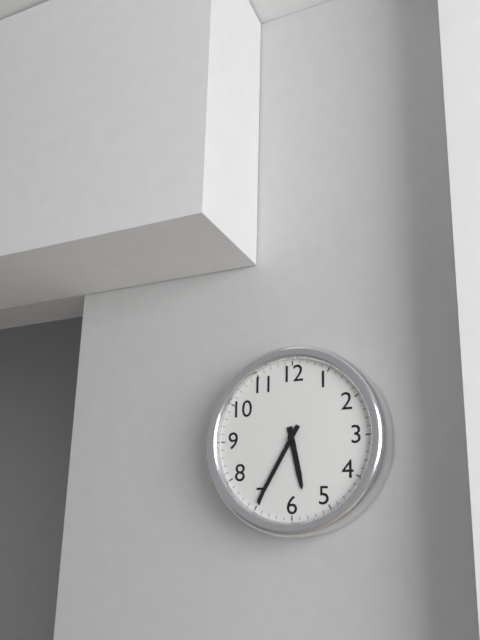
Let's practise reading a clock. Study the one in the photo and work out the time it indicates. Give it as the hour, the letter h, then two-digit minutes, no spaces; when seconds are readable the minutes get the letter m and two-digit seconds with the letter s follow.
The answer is 5h35
